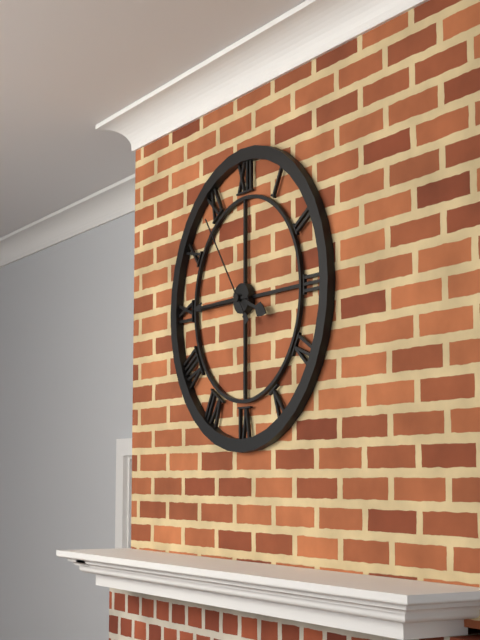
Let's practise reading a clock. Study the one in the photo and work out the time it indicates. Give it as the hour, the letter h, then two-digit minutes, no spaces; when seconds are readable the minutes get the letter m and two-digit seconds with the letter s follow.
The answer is 3h45m54s
